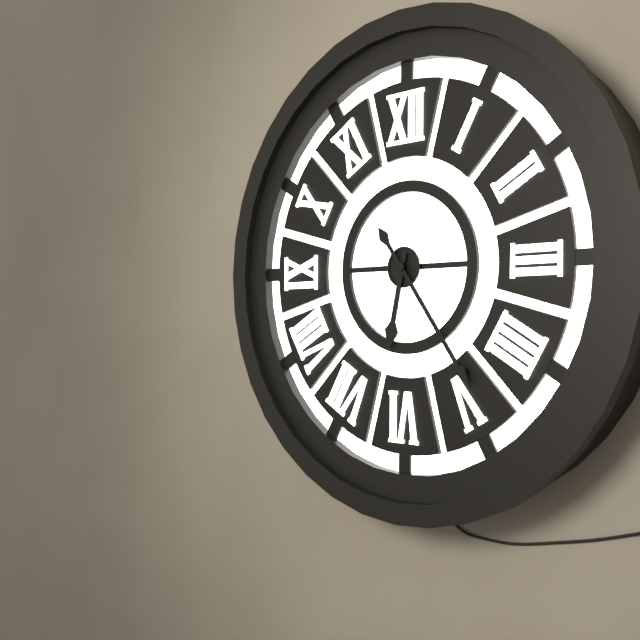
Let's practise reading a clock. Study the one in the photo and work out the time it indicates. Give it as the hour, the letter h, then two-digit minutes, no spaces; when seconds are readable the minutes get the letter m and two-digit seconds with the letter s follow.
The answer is 6h24
